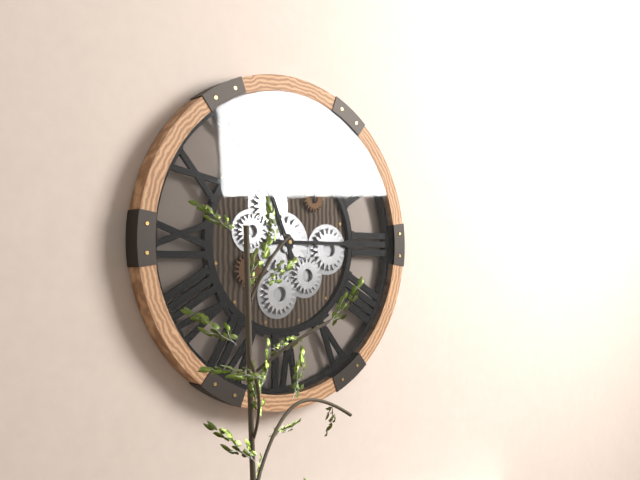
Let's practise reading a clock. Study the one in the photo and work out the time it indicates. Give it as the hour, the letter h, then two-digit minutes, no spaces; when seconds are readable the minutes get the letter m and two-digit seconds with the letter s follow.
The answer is 11h15
